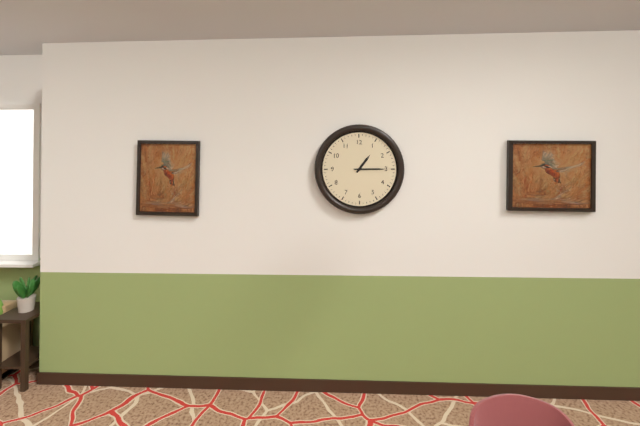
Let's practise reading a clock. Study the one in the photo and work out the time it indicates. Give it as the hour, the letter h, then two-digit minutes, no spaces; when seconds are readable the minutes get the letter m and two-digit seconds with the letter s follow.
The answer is 1h15
